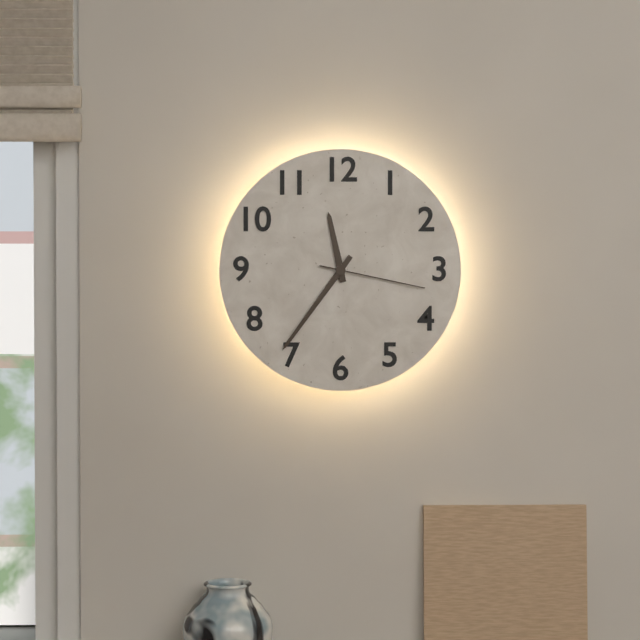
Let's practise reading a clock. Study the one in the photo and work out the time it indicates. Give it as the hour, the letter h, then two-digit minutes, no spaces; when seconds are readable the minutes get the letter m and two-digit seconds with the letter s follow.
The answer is 11h36m17s
